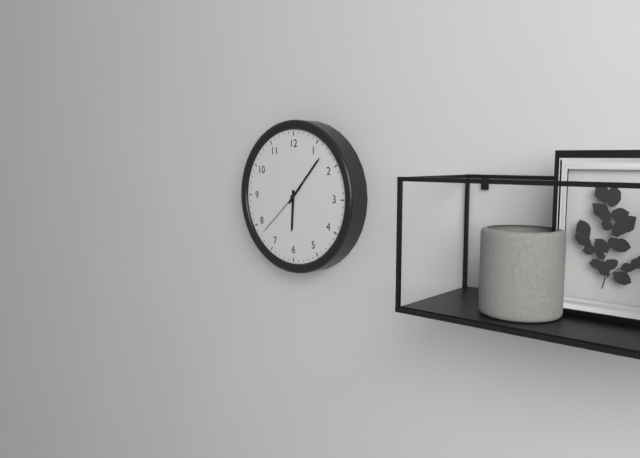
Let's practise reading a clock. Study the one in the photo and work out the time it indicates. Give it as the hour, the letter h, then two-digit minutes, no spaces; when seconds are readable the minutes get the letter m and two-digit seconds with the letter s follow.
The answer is 6h07m38s
